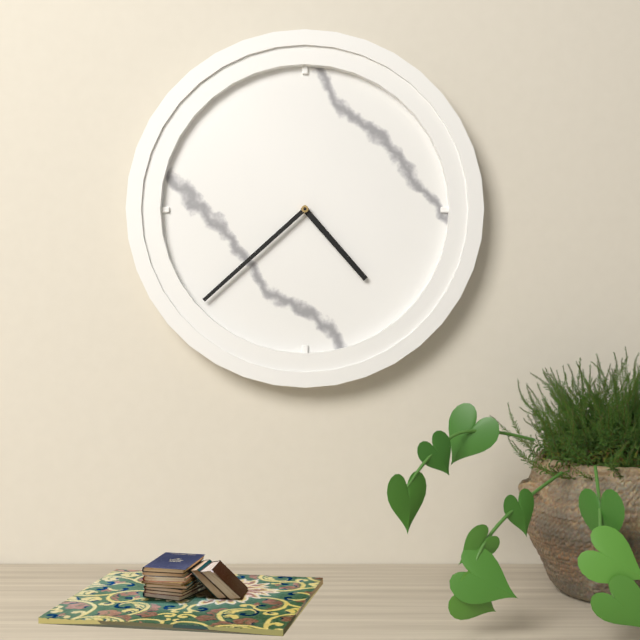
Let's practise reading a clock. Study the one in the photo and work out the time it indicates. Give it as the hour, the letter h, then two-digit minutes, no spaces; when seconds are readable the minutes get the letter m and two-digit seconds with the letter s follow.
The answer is 4h38
